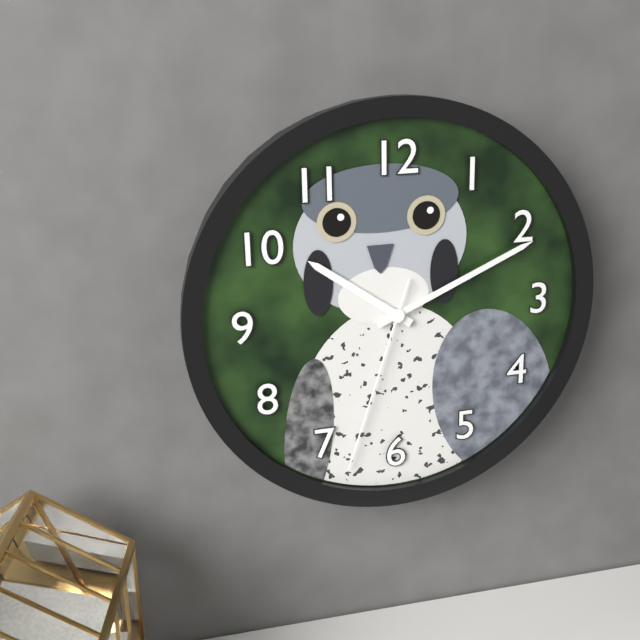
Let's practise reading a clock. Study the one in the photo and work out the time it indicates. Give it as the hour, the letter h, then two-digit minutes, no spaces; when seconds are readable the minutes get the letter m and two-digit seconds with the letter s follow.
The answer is 10h11m33s
